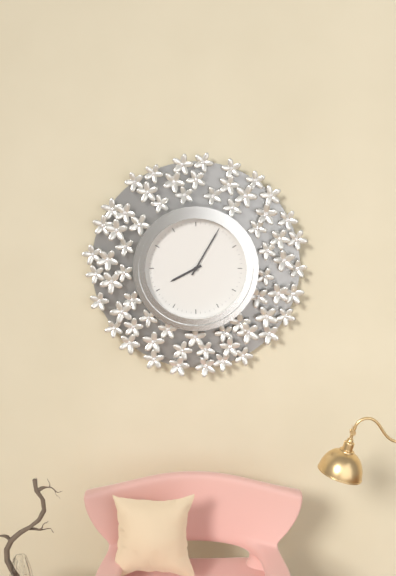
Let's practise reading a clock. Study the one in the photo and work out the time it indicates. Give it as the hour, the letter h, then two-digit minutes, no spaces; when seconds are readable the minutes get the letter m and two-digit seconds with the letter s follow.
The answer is 8h05
